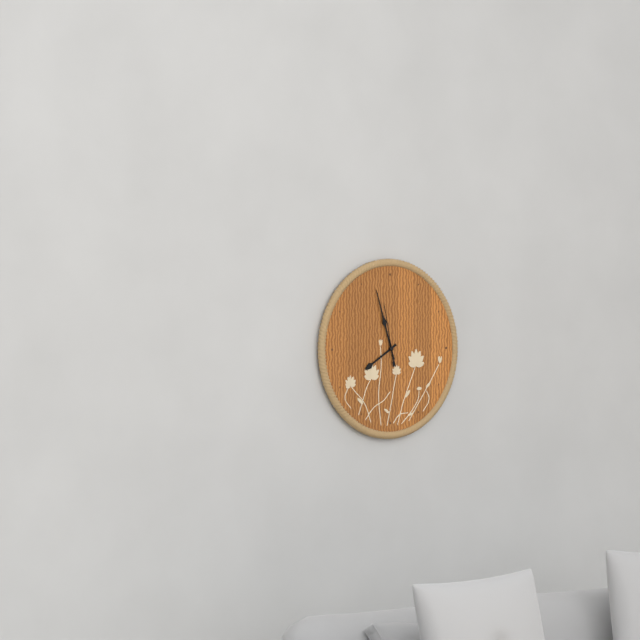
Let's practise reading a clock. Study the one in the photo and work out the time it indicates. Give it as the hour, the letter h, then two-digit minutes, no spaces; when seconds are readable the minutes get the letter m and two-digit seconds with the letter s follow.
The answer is 7h57m58s
